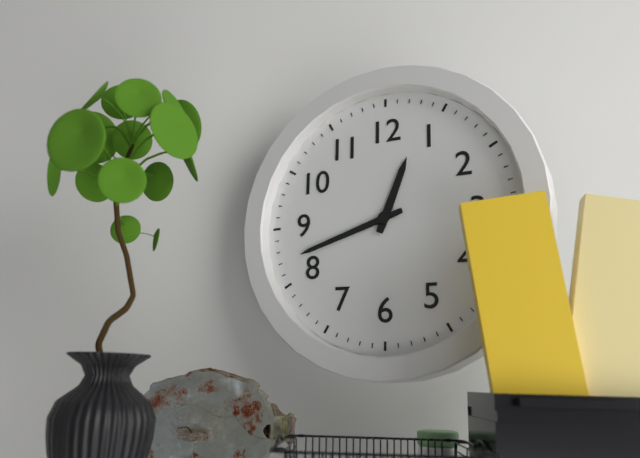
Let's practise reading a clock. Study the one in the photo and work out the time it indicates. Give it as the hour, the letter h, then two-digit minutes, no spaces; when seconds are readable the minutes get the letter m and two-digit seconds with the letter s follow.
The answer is 12h42
